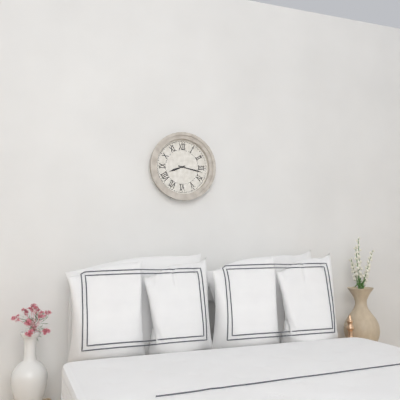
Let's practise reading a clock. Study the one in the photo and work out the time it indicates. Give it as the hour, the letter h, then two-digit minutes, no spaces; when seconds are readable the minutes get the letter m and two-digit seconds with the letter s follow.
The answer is 8h17
